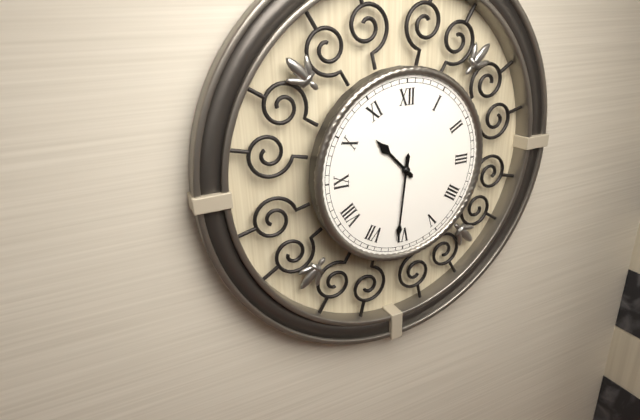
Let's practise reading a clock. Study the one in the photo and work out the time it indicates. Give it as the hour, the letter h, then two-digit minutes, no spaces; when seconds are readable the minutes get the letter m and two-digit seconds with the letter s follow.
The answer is 10h31
